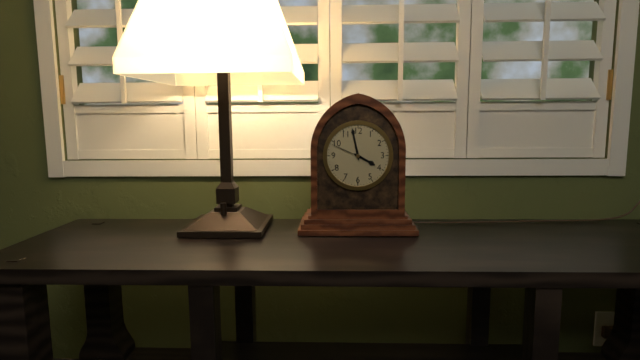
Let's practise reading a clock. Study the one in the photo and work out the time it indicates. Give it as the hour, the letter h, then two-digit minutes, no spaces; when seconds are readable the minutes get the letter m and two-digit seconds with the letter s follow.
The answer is 3h58
